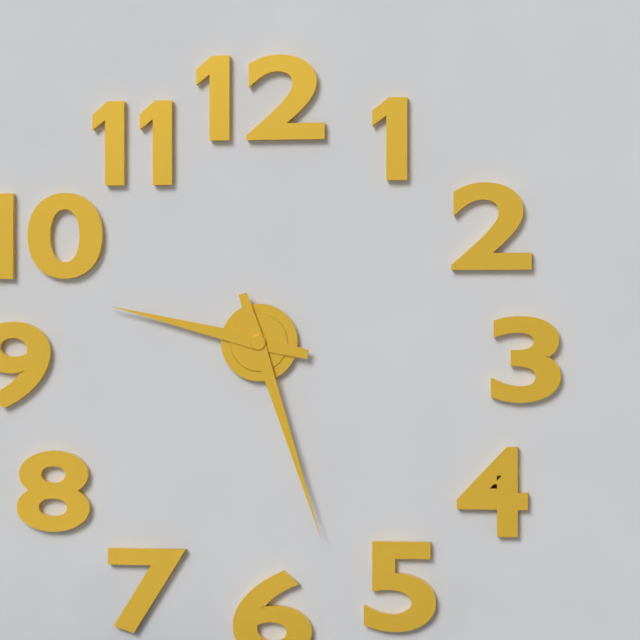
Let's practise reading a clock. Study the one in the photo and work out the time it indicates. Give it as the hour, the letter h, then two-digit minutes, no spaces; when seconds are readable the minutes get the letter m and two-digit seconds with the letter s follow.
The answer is 9h27
